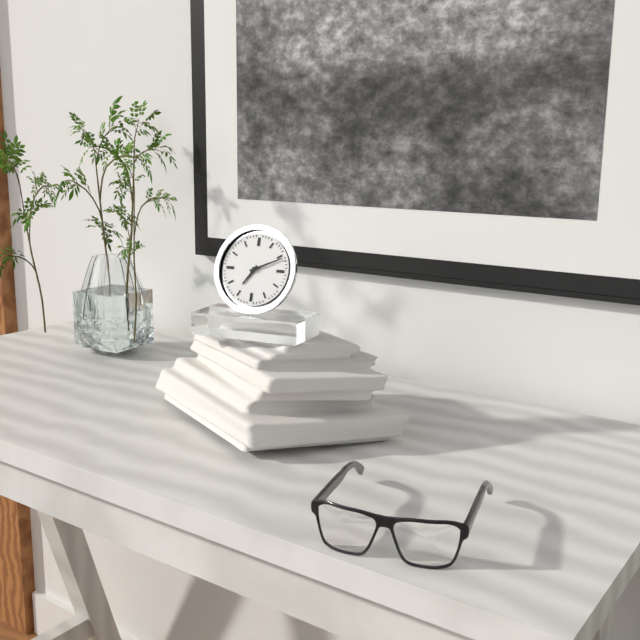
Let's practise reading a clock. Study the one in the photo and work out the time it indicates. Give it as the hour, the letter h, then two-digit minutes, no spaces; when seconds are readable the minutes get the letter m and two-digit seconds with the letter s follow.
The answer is 7h11
